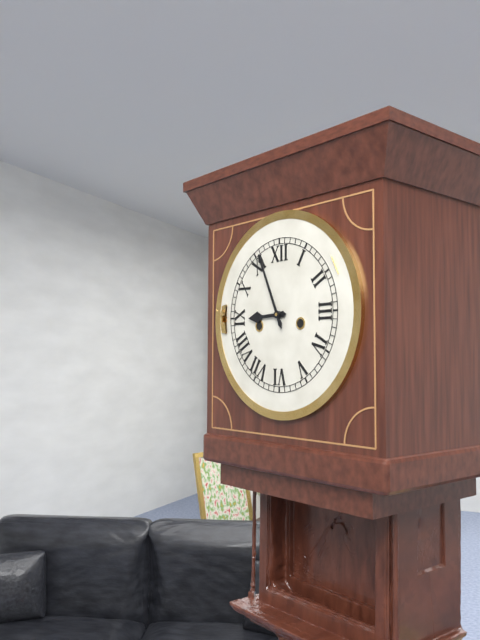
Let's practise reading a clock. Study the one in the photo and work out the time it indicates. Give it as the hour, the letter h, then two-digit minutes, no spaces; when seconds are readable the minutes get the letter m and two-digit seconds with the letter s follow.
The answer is 8h56
